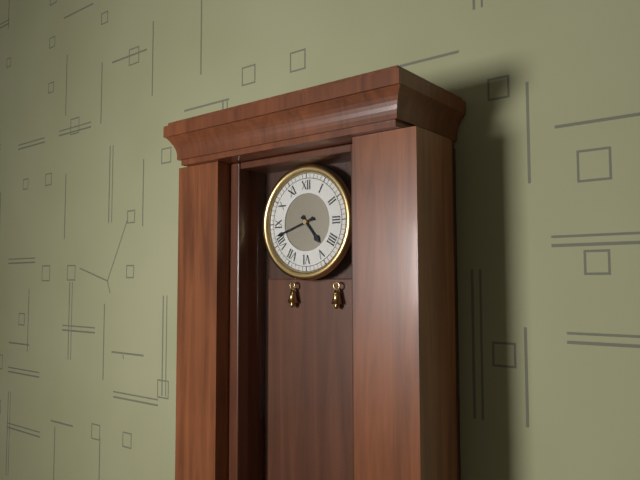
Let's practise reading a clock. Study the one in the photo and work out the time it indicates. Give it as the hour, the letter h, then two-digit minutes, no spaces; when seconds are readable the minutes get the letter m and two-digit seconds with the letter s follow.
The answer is 4h42
